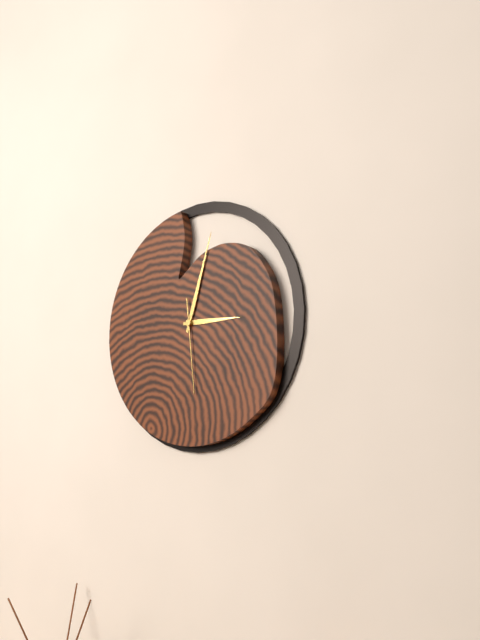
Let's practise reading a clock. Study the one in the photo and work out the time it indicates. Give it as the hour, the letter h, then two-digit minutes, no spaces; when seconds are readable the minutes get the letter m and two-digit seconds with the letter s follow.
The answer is 3h03m29s
